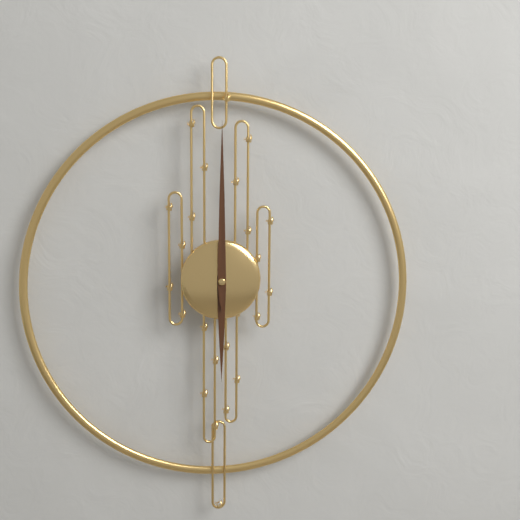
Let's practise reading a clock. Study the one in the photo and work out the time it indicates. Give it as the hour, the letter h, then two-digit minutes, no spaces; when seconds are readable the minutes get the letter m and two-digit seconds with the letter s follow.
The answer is 6h00
